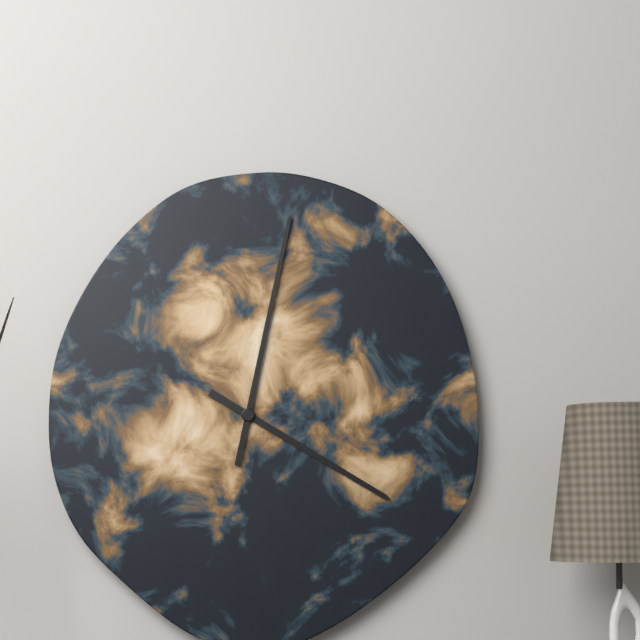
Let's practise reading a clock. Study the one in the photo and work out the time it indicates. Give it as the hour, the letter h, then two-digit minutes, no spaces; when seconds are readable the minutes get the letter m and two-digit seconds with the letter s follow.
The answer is 4h02
